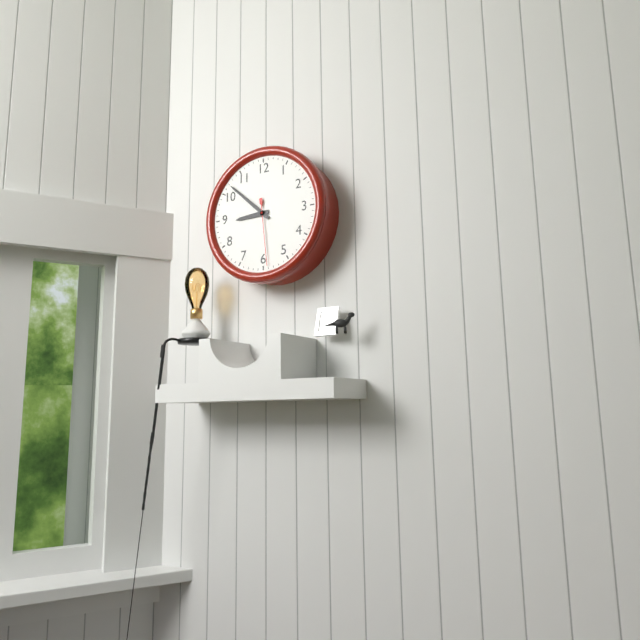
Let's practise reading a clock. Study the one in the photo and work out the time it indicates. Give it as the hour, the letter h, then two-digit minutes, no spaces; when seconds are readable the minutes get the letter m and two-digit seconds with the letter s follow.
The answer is 8h52m29s
